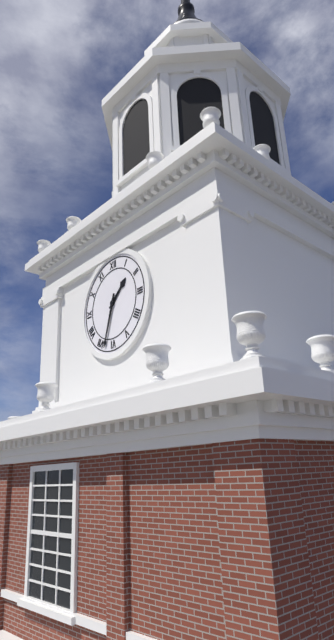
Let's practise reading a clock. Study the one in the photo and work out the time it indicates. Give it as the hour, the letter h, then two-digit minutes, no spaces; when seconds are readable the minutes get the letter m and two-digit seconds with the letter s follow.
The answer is 1h33
